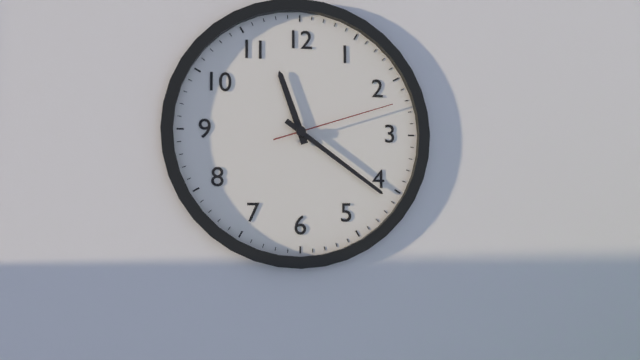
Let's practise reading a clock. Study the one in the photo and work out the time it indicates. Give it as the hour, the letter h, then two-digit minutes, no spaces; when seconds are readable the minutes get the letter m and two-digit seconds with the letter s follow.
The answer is 11h21m12s
